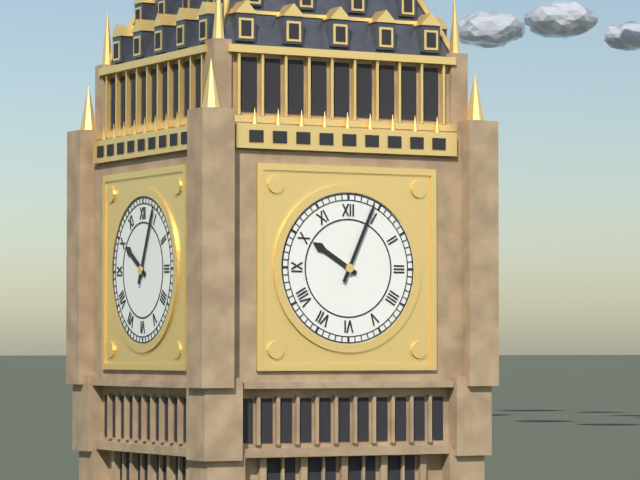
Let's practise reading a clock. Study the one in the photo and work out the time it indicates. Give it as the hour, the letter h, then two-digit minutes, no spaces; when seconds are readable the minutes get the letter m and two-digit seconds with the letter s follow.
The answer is 10h04
